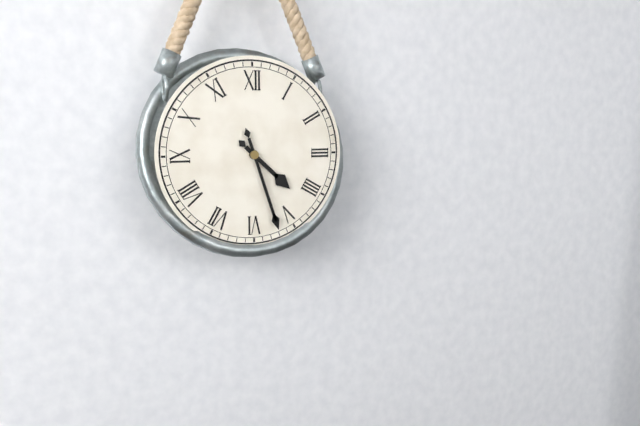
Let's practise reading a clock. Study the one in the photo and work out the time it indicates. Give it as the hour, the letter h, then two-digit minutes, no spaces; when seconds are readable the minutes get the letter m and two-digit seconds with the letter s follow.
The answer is 4h27
